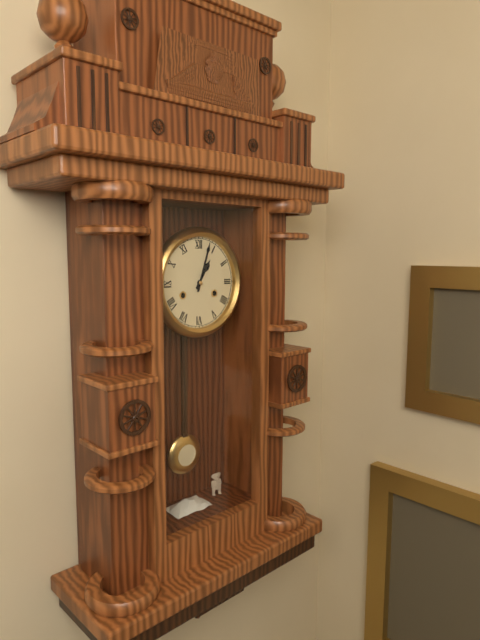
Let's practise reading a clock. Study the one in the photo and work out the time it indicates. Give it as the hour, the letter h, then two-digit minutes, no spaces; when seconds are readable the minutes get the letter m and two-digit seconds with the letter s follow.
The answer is 1h03
